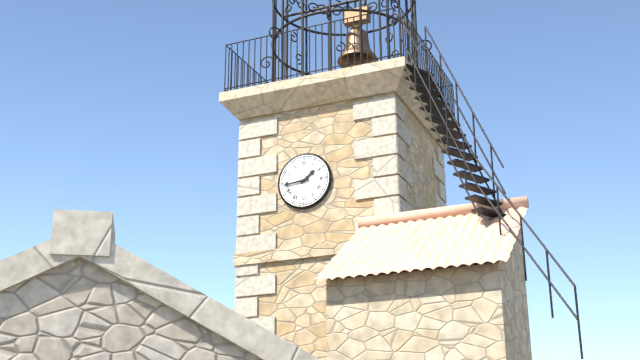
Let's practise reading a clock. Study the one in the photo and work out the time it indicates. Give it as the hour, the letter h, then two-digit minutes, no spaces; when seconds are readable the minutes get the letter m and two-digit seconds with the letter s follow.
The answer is 1h44
